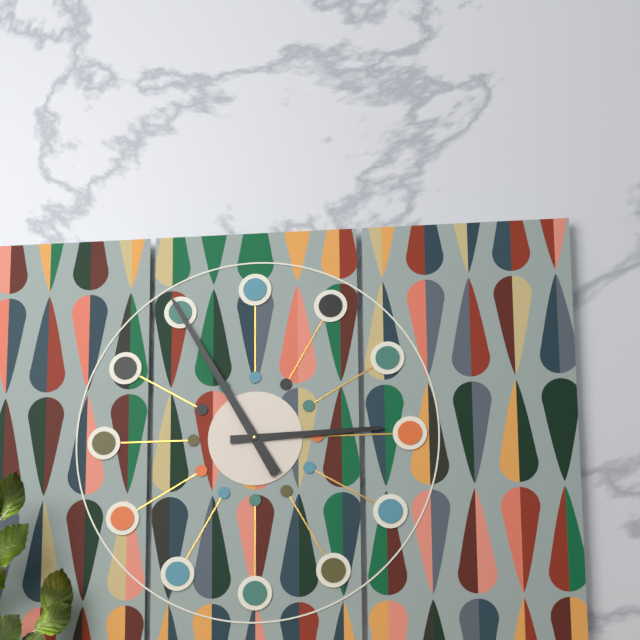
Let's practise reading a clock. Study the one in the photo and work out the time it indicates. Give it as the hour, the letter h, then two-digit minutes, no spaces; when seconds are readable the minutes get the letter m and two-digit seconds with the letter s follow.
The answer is 2h55
